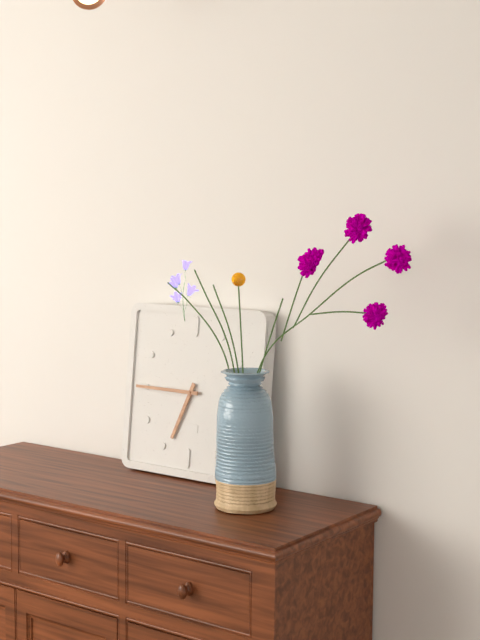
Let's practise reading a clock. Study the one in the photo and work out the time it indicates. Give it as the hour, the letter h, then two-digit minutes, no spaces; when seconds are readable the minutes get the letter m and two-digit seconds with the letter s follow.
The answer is 6h45
